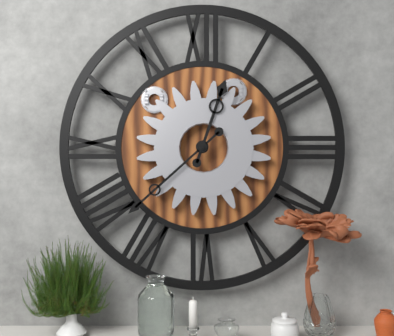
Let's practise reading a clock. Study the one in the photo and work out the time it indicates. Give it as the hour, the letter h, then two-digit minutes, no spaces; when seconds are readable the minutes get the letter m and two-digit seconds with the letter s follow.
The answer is 12h38
